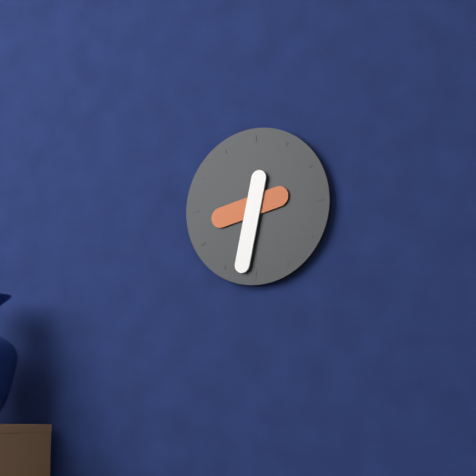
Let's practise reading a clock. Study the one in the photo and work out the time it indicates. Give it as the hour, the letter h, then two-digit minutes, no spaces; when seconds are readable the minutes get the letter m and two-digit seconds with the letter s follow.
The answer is 8h32
